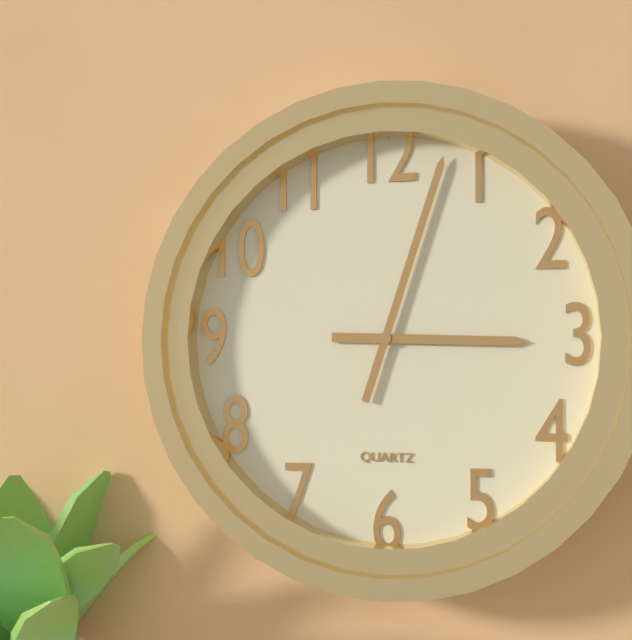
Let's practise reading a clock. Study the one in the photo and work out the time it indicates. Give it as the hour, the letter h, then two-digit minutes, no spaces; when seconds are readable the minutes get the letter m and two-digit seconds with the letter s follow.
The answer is 3h03
